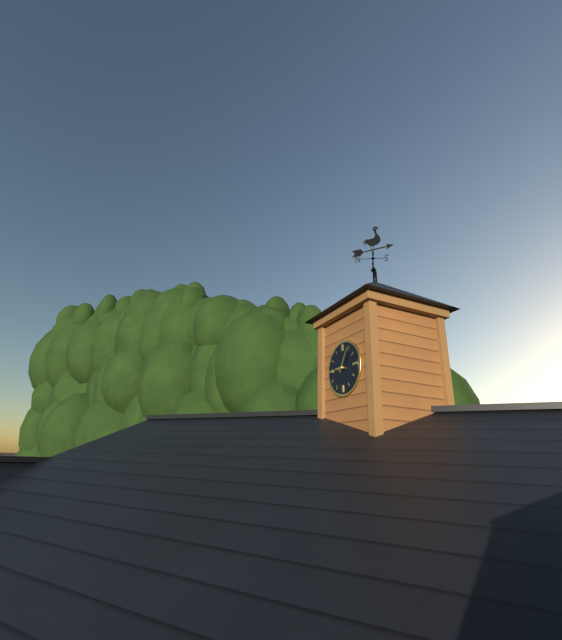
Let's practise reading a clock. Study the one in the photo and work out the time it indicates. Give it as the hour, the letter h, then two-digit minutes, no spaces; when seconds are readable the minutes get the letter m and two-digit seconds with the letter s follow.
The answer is 9h05
